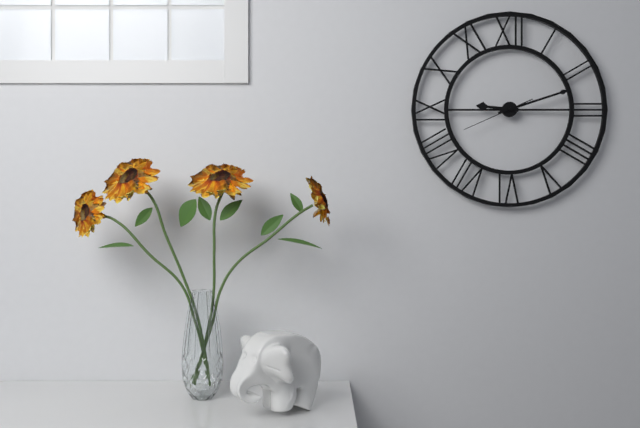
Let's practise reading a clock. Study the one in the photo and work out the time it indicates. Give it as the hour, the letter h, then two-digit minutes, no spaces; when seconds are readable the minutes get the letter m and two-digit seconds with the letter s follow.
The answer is 9h12m41s
